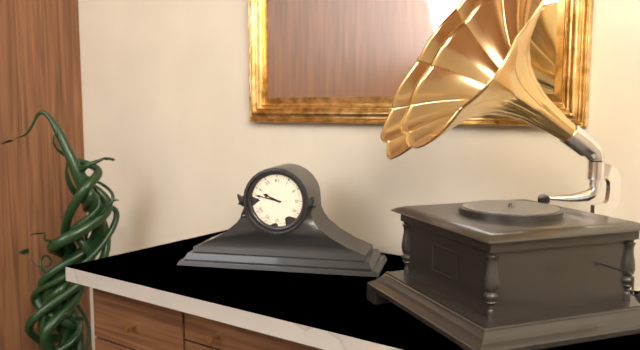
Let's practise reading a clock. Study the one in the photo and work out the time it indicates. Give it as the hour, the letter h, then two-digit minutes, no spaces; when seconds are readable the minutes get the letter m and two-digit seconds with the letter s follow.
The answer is 9h47
